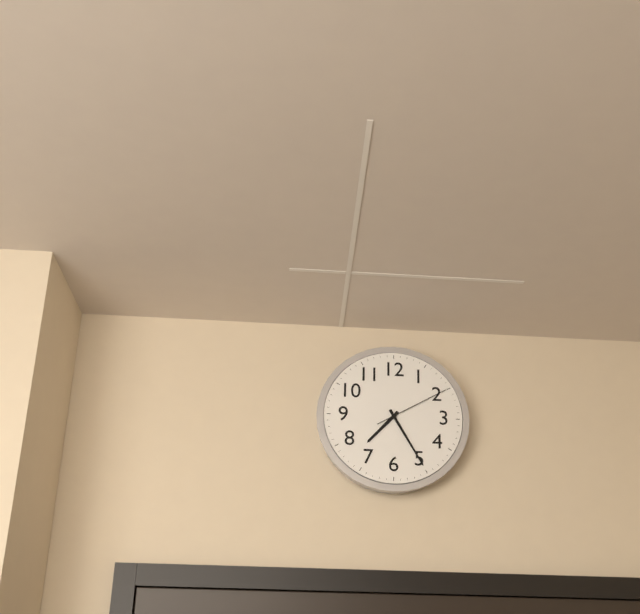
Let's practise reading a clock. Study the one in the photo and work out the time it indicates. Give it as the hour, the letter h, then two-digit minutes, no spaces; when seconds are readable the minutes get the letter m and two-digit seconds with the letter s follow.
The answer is 7h25m10s
